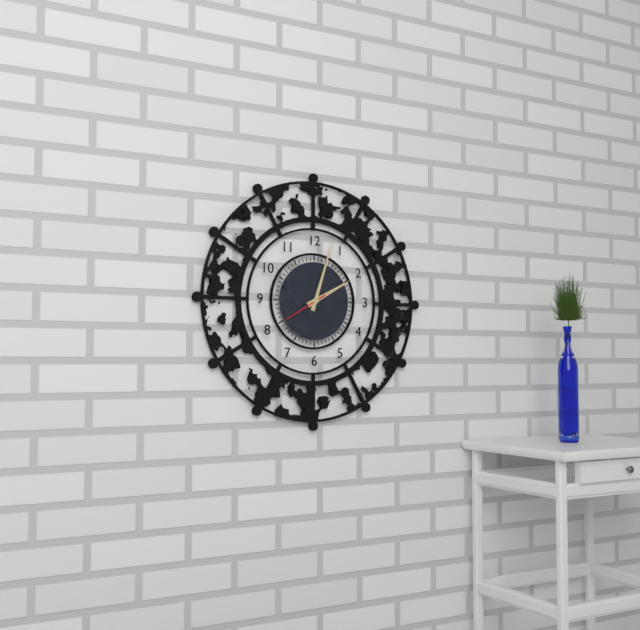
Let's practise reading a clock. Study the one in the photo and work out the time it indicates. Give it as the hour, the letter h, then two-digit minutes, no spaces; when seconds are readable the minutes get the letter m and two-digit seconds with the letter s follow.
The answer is 2h03
